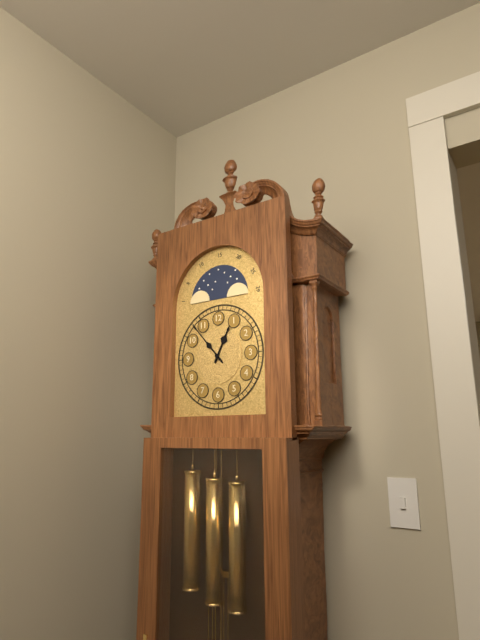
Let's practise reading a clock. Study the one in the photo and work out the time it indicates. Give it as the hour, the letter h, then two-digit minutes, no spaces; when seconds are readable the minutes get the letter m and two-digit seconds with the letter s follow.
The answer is 12h53
